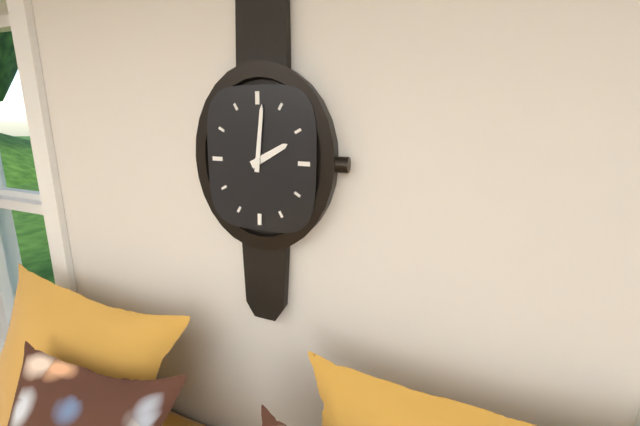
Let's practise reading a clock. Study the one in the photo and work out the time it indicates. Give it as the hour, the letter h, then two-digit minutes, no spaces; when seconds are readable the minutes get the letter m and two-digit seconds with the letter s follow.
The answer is 2h01
